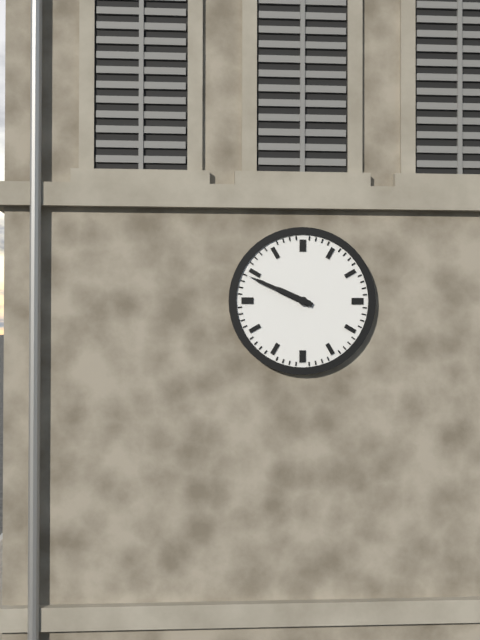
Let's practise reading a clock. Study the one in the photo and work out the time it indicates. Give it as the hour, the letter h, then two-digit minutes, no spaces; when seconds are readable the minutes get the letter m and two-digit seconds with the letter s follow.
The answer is 9h49
